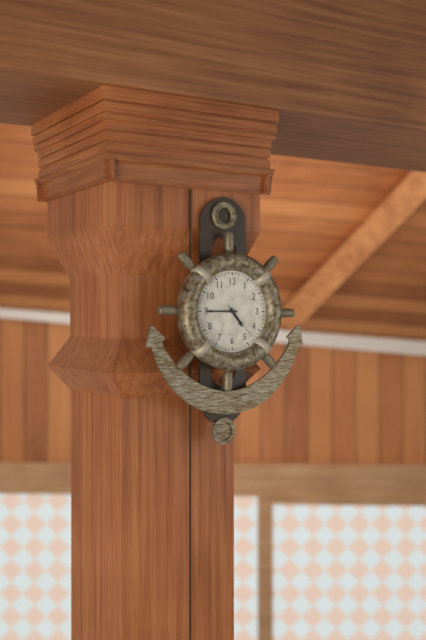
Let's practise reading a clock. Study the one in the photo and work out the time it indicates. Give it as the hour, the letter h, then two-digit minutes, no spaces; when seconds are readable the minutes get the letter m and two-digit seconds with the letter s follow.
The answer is 4h45
